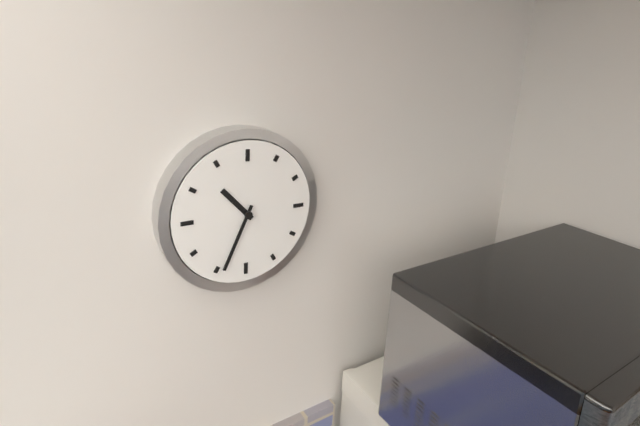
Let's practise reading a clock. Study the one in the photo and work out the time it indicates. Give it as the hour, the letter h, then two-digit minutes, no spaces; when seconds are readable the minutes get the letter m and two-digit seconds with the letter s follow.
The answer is 10h34
